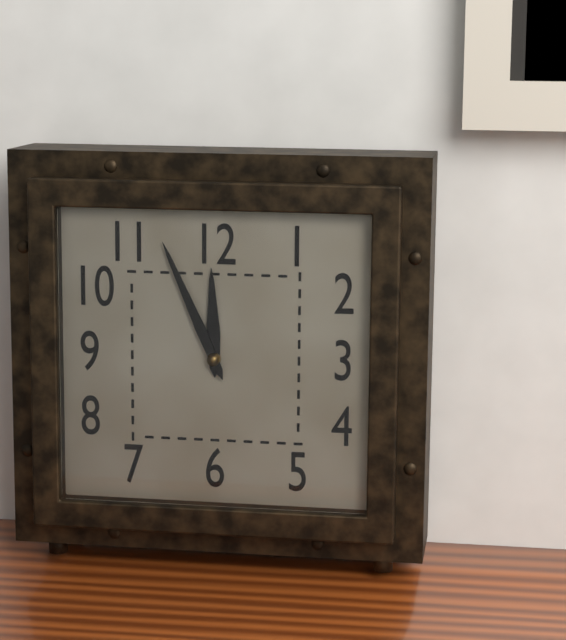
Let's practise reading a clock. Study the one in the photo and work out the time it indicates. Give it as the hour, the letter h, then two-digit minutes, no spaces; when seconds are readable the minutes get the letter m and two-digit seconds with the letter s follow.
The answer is 11h56
